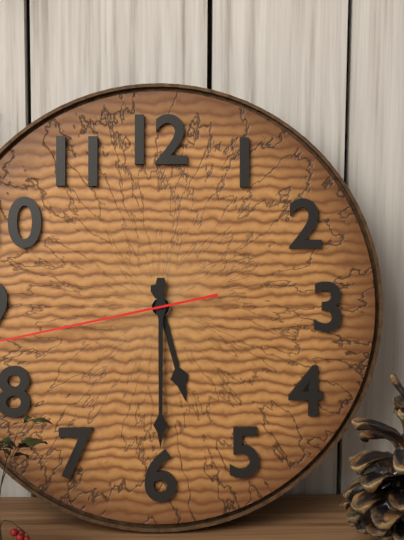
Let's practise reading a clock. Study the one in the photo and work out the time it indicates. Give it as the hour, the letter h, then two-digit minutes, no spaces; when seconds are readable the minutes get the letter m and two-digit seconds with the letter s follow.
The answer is 5h30
